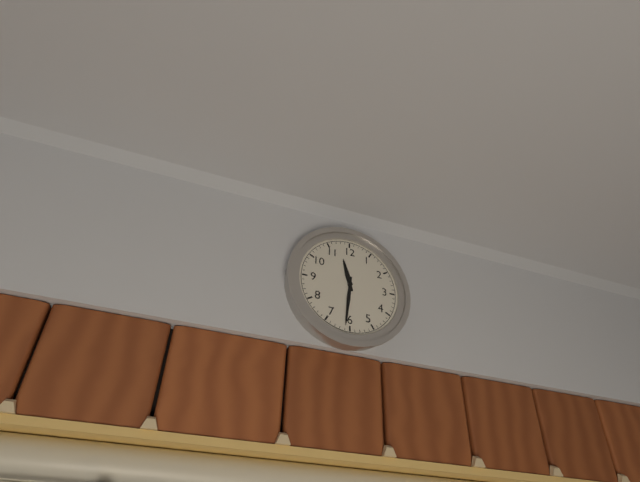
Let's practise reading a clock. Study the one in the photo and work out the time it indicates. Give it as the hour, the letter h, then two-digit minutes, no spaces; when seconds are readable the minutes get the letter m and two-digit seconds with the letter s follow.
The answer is 11h31
